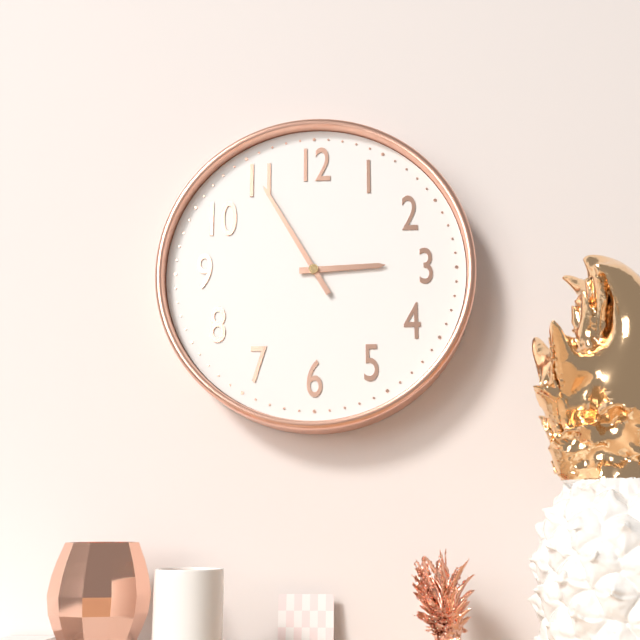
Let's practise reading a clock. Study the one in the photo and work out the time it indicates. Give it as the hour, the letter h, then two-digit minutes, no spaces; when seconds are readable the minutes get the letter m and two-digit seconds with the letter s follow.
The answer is 2h55
